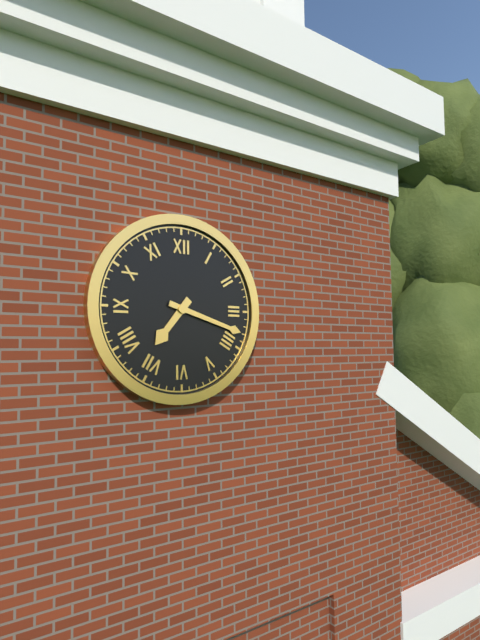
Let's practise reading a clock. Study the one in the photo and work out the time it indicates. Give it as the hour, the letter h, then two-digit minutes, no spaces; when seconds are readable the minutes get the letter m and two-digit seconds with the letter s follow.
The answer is 7h18
